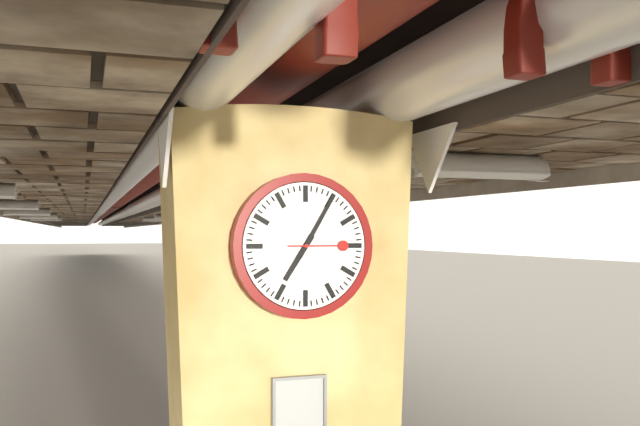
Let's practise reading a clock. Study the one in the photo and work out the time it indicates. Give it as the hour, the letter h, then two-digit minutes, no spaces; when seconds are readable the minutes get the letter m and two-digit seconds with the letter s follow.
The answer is 7h05m15s
